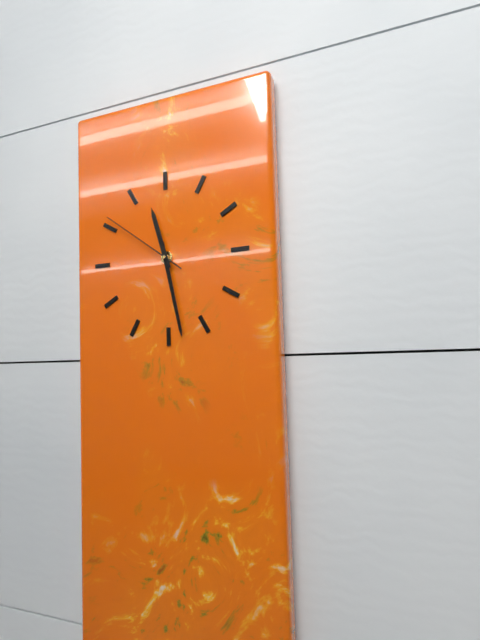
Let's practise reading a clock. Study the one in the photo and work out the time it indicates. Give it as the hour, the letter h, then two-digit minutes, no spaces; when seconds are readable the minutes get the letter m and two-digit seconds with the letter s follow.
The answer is 11h28m51s
